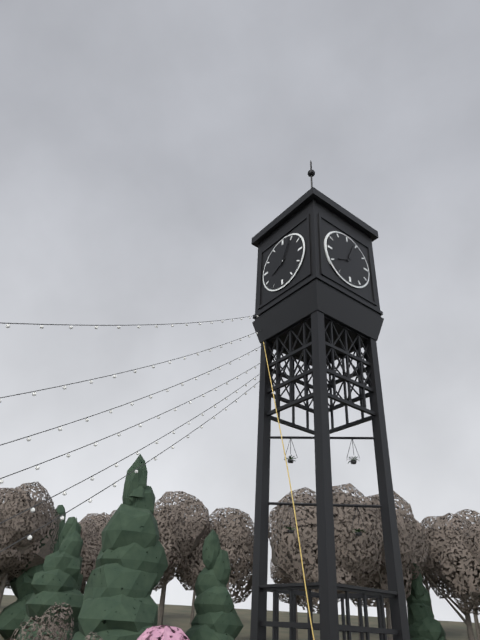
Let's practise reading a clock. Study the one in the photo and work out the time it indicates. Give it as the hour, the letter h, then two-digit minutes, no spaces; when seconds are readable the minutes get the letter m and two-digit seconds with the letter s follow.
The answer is 8h04
